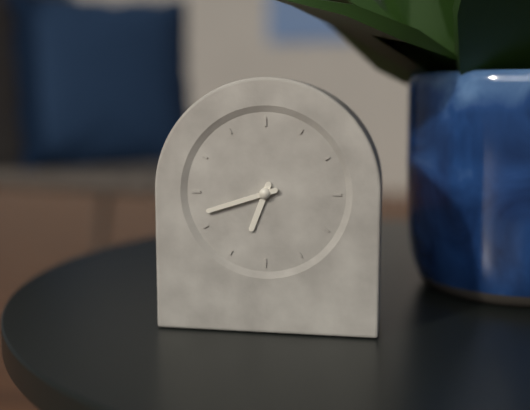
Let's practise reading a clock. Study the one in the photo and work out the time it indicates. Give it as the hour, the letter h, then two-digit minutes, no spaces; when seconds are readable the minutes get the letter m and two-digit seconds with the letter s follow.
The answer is 6h42
